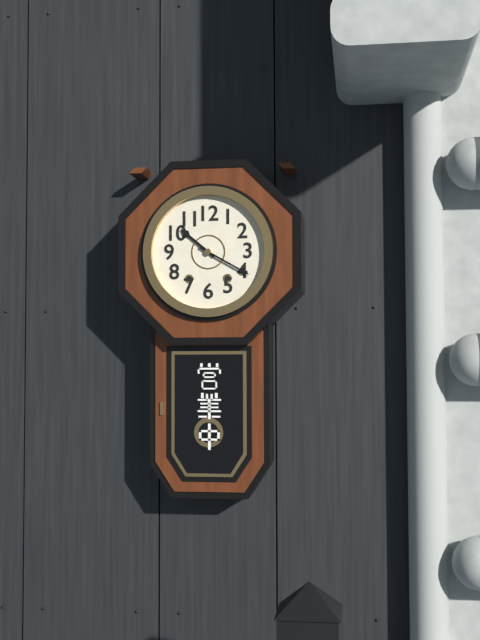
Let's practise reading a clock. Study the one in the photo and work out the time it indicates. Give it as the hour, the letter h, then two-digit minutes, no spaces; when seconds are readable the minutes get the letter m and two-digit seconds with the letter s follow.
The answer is 10h20
